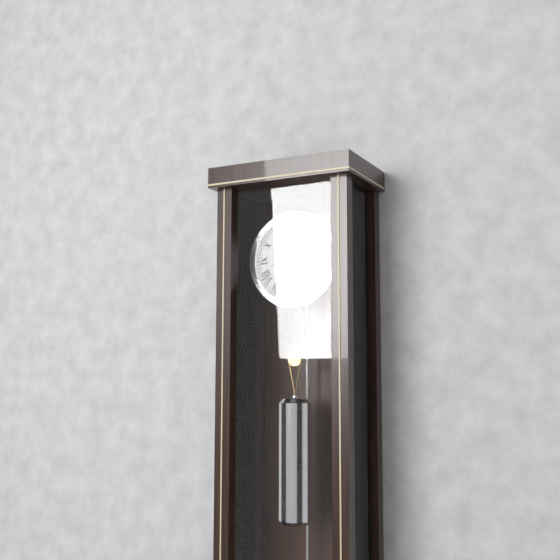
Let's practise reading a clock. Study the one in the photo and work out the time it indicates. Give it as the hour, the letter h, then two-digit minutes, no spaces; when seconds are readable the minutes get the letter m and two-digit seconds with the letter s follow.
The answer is 8h33
